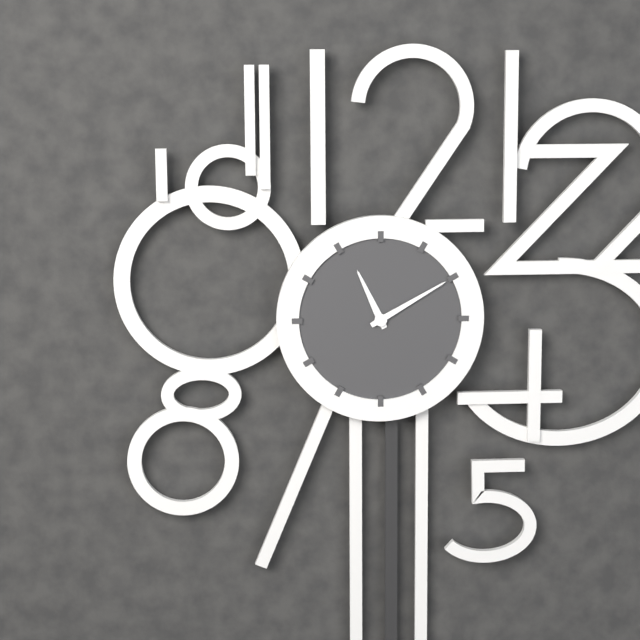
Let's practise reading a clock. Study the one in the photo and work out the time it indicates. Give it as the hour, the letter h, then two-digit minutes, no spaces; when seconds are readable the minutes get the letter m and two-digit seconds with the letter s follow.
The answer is 11h10
